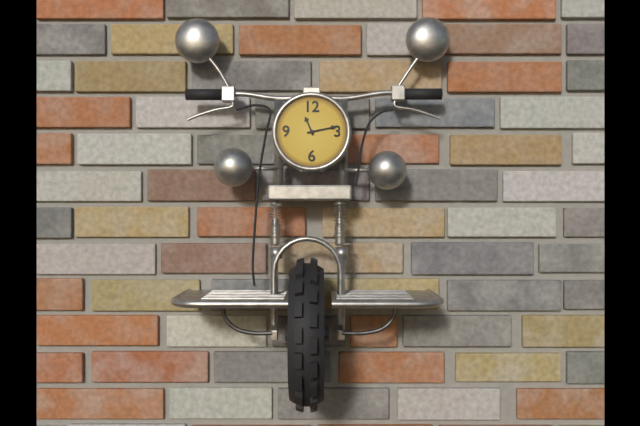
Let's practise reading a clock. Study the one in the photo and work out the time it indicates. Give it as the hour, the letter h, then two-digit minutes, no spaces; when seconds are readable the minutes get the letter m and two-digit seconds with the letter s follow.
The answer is 11h13
